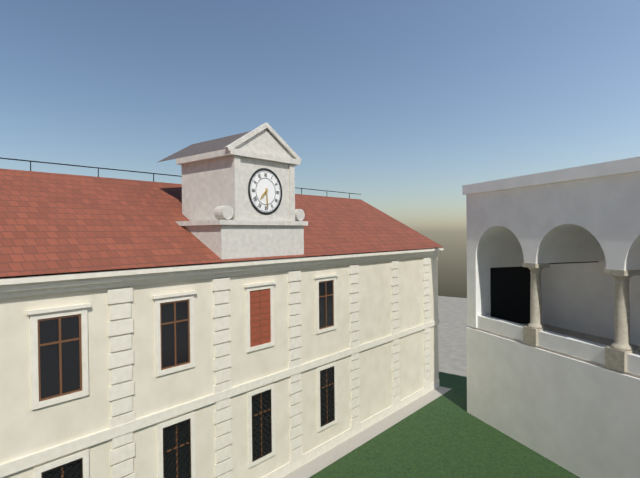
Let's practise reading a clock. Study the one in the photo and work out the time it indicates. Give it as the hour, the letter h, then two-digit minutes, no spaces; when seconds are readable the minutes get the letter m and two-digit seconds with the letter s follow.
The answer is 7h29
